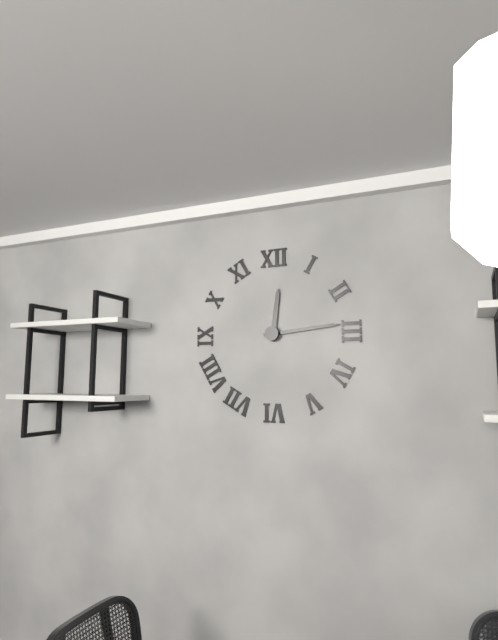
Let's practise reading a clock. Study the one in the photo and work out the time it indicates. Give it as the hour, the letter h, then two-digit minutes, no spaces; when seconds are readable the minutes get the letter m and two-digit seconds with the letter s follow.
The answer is 12h14
